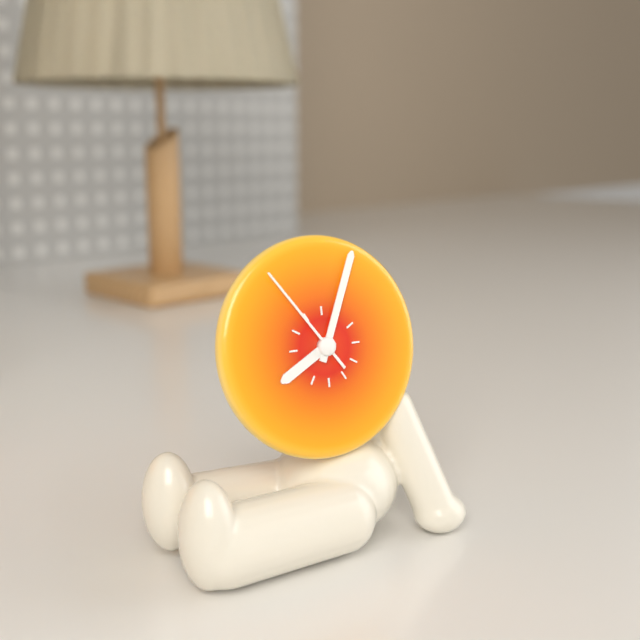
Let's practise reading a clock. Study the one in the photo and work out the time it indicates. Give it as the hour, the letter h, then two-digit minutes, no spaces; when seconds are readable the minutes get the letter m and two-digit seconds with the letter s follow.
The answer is 8h04m54s
